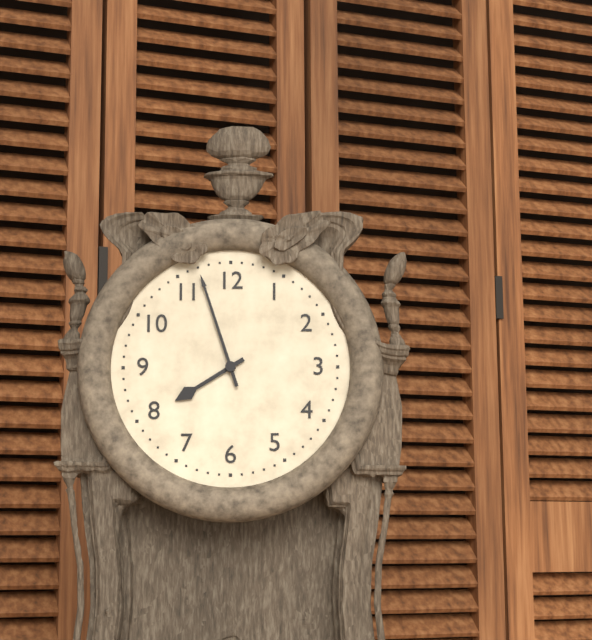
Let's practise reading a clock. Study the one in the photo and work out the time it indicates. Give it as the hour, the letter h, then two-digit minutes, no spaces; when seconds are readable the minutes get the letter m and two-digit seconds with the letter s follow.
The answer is 7h57
